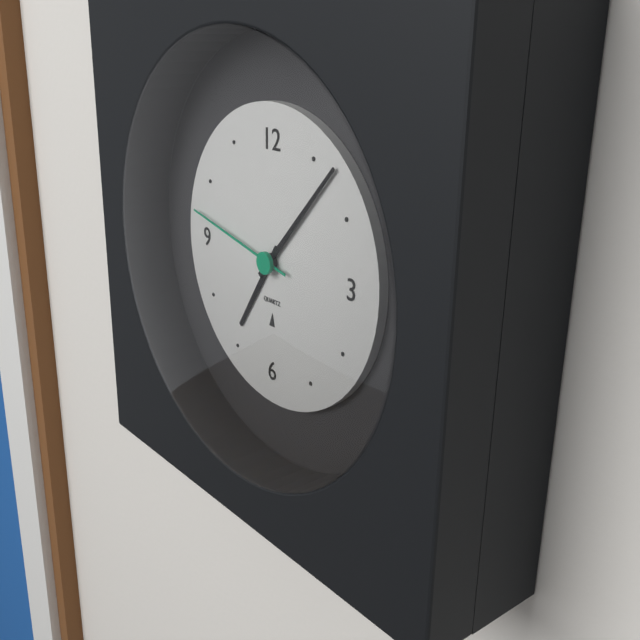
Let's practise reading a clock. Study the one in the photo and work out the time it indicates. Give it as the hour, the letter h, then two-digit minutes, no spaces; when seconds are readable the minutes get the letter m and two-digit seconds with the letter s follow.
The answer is 7h07m47s
